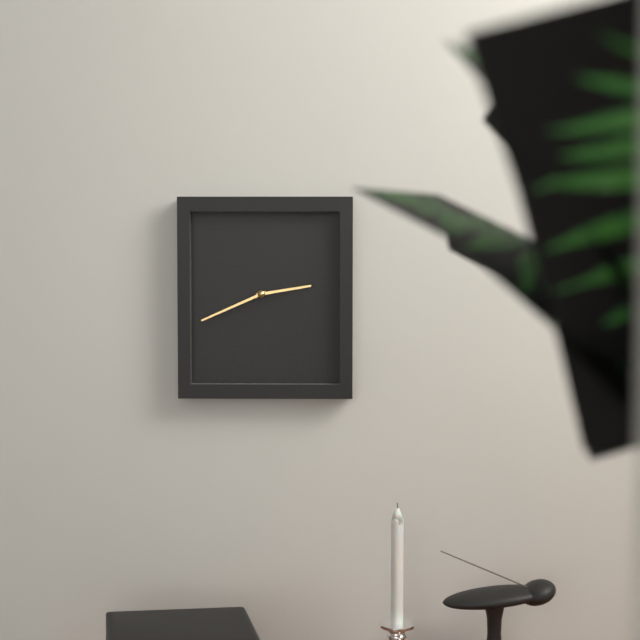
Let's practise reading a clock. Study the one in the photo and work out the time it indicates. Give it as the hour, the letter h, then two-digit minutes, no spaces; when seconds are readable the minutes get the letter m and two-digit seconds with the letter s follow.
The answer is 2h41
